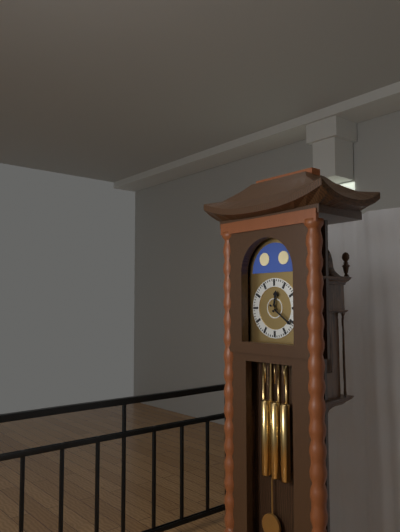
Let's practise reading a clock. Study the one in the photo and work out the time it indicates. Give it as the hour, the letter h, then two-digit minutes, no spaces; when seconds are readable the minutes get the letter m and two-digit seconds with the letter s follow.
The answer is 12h21
